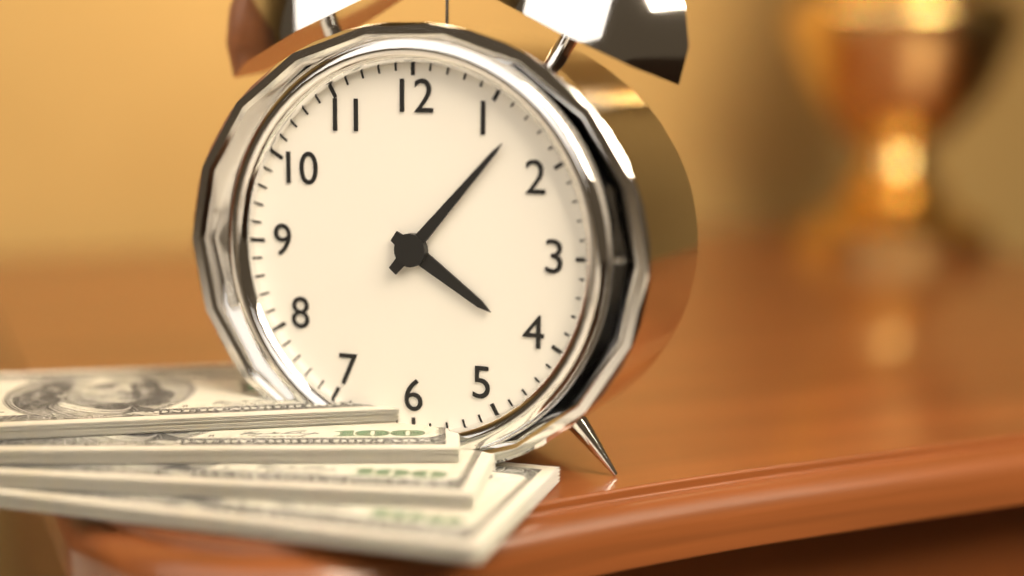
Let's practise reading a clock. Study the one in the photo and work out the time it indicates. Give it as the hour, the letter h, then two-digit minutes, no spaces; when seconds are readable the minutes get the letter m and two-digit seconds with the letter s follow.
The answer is 4h07
